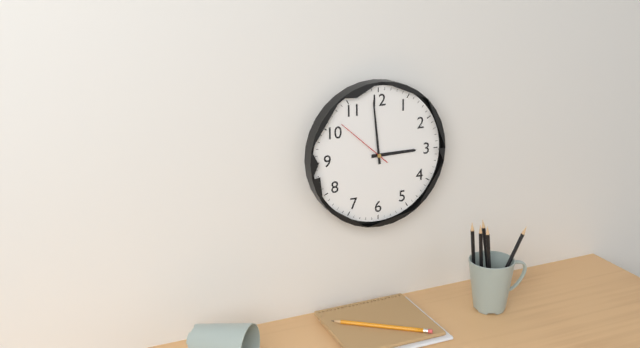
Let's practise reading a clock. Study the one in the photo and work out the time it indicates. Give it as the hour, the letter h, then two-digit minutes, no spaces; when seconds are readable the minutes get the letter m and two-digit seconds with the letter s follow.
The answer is 2h59m52s
